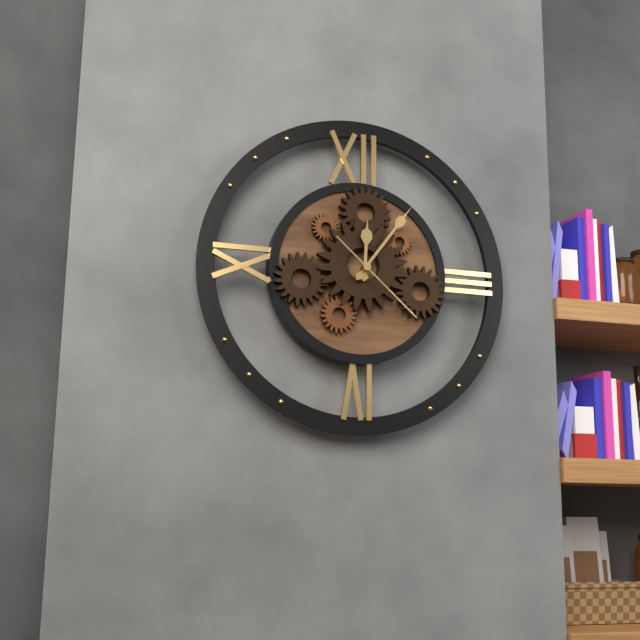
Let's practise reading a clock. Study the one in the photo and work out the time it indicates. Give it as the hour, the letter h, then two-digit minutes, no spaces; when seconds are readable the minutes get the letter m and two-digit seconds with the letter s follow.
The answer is 12h06m22s
